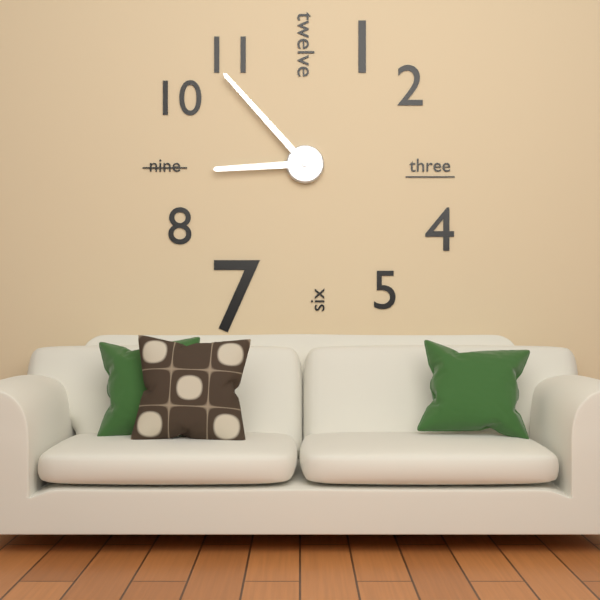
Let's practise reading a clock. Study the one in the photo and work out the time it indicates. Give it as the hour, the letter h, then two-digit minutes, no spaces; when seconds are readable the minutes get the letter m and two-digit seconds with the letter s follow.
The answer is 8h53
